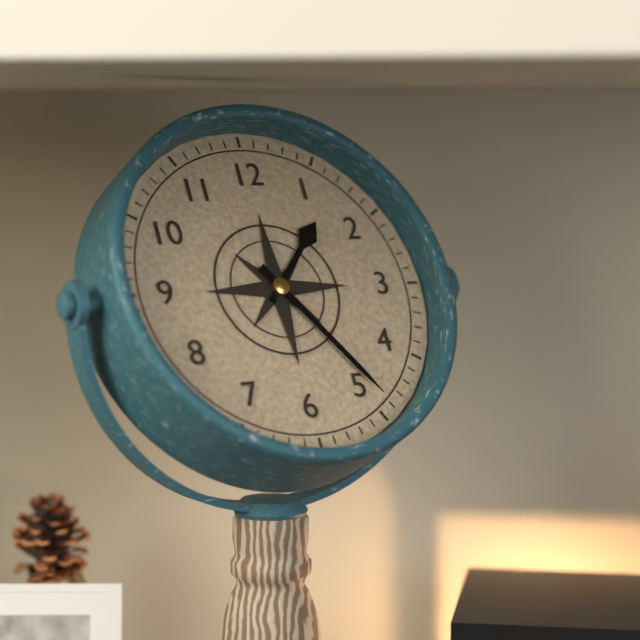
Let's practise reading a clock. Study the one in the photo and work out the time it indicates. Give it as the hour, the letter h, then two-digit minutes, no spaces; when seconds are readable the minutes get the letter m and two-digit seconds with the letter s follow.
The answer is 1h24
